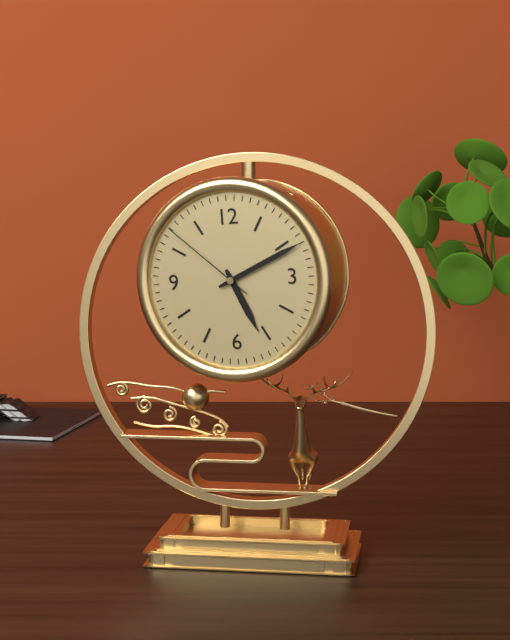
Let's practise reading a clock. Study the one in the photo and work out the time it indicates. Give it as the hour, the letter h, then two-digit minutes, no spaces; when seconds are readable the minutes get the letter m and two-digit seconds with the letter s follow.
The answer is 5h11m52s
